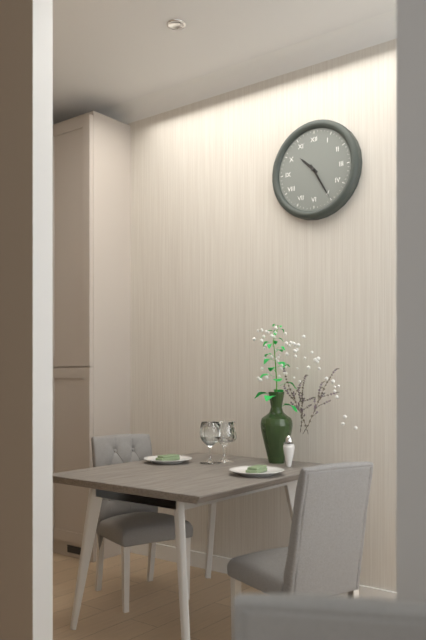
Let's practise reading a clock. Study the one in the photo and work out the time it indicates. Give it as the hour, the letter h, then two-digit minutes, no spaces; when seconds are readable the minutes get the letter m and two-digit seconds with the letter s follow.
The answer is 10h25
